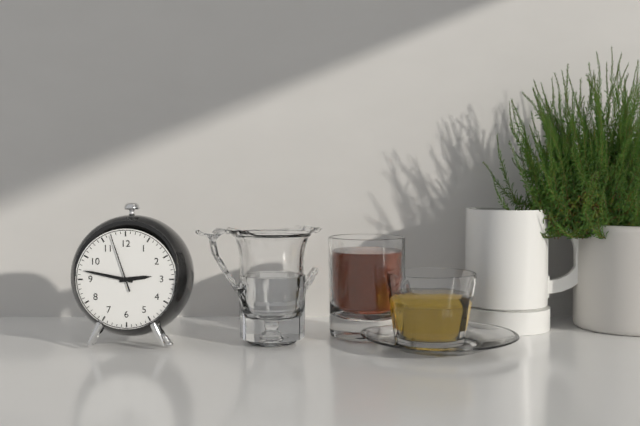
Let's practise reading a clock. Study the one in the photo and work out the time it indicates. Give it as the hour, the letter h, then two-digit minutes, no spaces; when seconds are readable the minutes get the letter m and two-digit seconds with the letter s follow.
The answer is 2h47m57s
